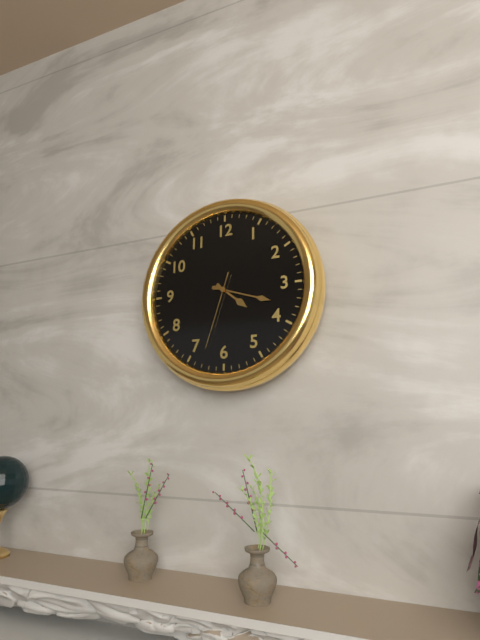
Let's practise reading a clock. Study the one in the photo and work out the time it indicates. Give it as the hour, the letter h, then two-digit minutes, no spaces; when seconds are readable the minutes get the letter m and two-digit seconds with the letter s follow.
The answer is 4h18m33s
